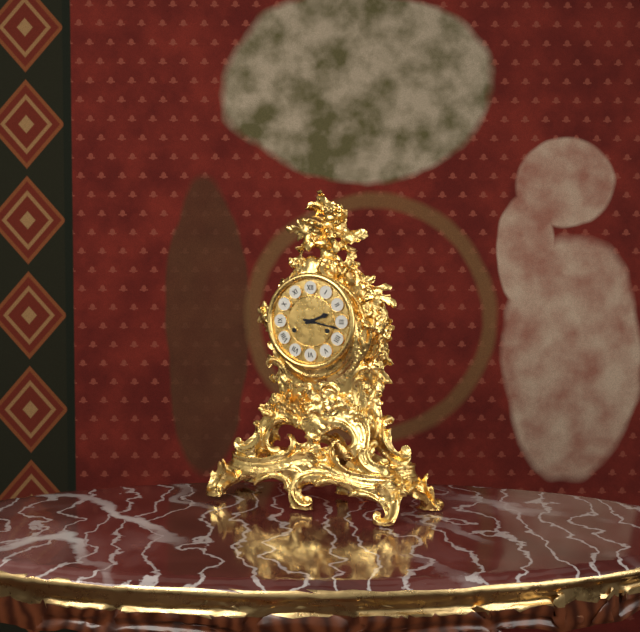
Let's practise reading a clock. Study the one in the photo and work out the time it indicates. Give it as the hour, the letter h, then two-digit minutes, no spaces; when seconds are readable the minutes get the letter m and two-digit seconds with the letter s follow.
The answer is 2h17
